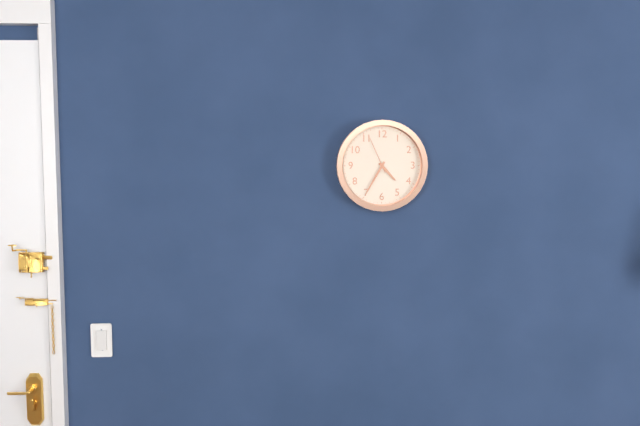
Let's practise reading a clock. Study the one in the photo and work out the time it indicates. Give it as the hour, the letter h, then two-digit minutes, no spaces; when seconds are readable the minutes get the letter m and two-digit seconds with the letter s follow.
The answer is 4h35
